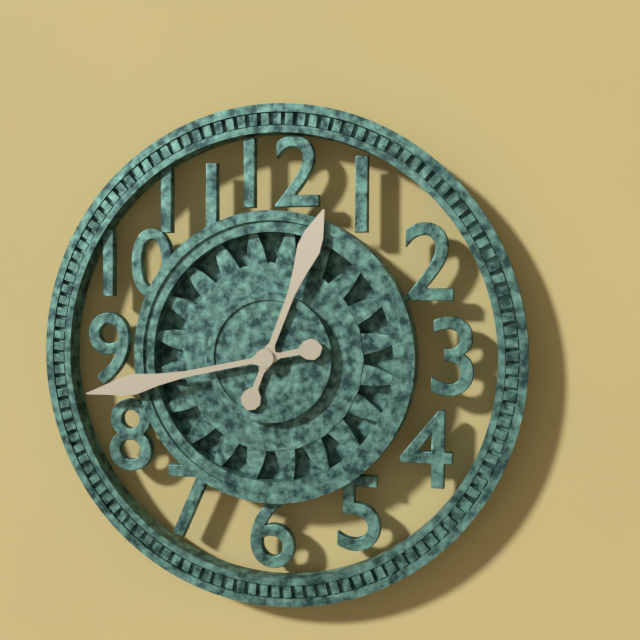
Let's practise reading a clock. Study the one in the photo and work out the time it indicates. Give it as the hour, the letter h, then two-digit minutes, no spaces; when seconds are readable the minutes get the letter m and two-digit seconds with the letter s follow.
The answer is 12h43
